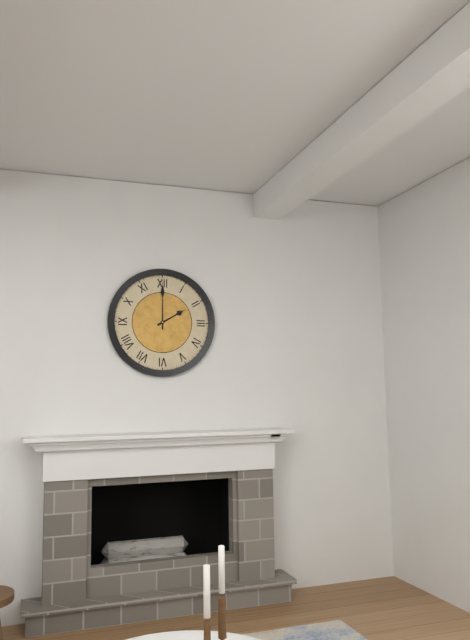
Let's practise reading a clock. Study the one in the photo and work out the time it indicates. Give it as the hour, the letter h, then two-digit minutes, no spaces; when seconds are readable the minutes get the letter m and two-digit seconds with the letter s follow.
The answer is 2h00
